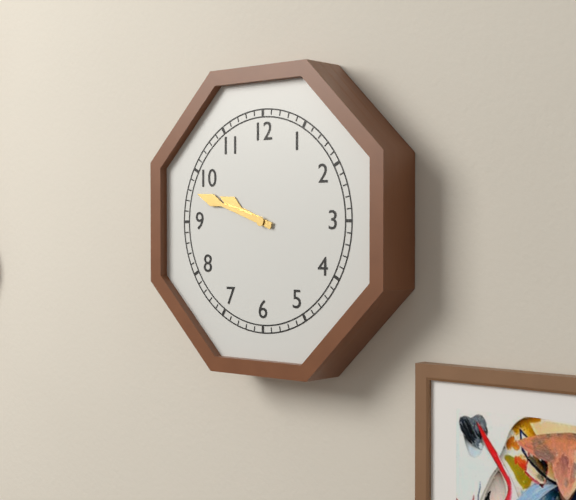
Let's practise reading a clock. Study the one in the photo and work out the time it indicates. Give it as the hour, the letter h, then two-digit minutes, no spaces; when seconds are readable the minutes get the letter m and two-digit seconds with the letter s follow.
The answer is 9h48
